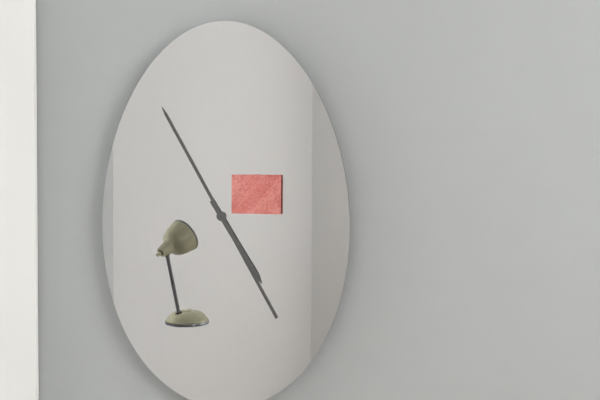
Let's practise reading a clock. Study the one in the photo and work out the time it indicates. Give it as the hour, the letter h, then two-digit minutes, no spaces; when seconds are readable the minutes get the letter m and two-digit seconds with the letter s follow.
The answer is 4h55
